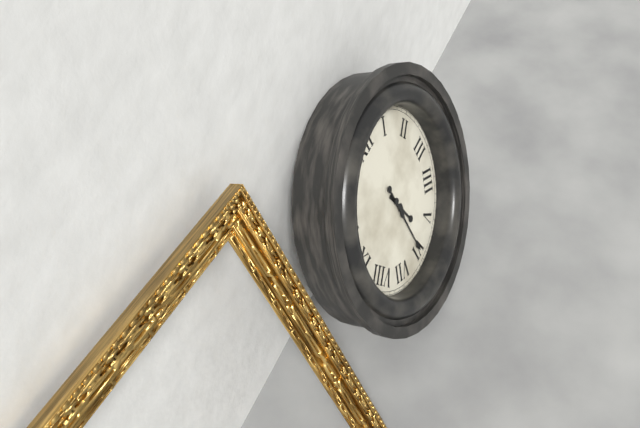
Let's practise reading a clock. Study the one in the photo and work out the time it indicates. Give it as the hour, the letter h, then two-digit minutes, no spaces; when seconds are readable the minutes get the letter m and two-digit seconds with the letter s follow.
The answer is 5h30
